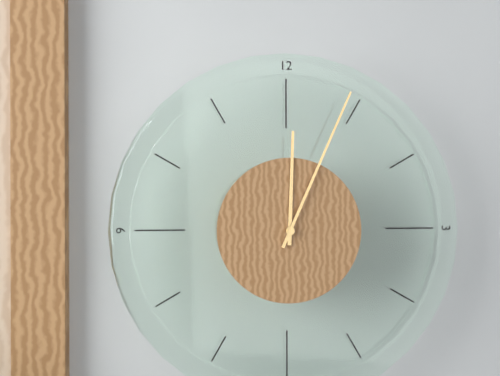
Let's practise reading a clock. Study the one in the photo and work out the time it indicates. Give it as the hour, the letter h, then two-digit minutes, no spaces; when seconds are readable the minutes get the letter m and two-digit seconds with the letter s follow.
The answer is 12h04
